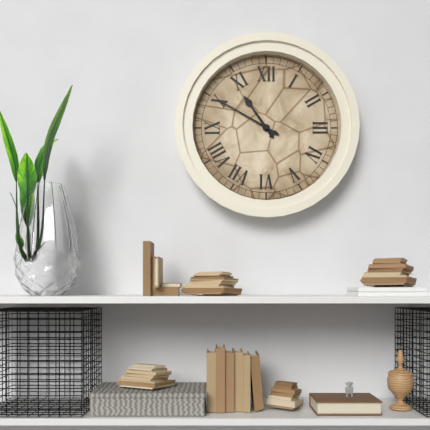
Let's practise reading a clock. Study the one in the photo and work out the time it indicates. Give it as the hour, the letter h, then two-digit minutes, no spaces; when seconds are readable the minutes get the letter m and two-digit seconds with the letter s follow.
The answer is 10h50
